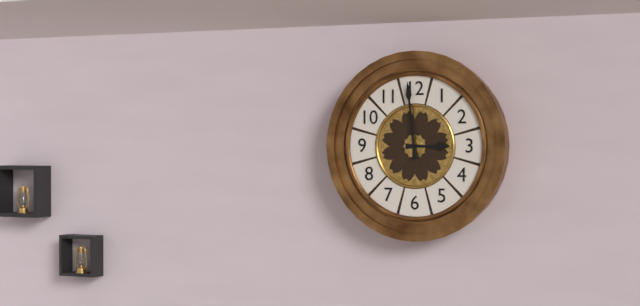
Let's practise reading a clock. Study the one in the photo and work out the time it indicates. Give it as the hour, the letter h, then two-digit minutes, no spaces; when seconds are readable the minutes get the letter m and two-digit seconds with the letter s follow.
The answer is 2h59
